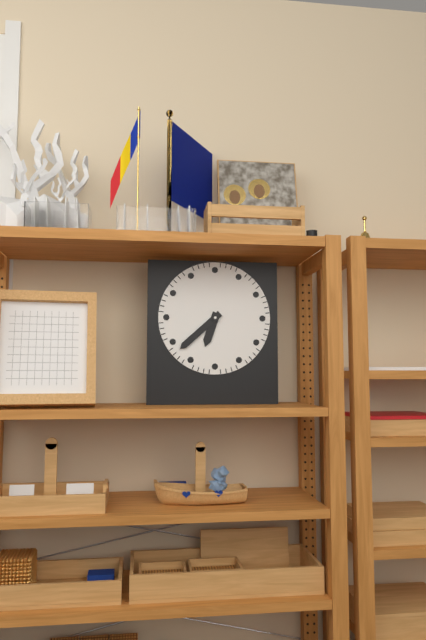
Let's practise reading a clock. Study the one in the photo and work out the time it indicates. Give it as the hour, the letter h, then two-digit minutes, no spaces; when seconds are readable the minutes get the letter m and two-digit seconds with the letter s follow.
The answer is 6h38
